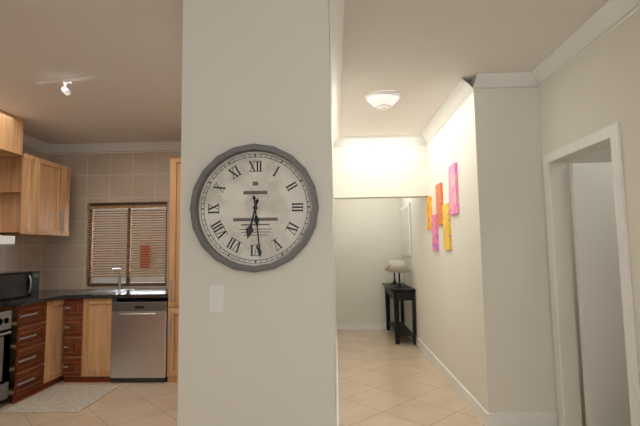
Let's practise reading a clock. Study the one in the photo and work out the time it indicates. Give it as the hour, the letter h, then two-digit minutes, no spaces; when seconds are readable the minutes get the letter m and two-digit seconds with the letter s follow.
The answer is 6h29
